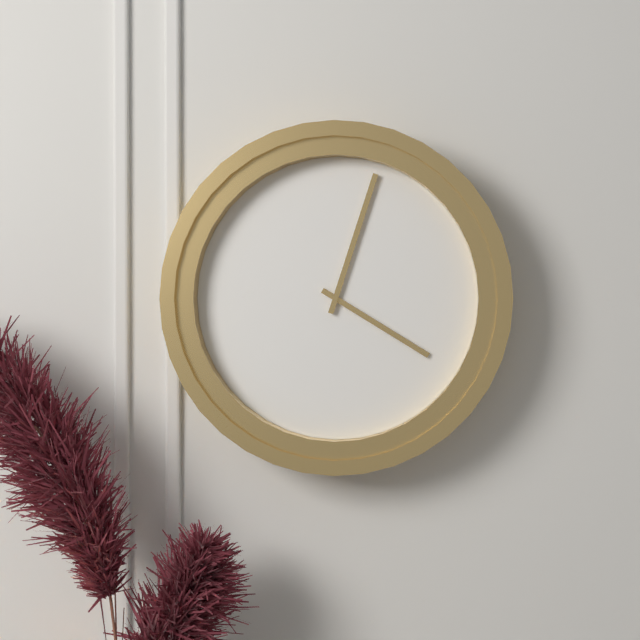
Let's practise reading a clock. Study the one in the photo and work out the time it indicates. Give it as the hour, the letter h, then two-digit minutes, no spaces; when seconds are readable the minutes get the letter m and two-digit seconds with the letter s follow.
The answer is 4h03
